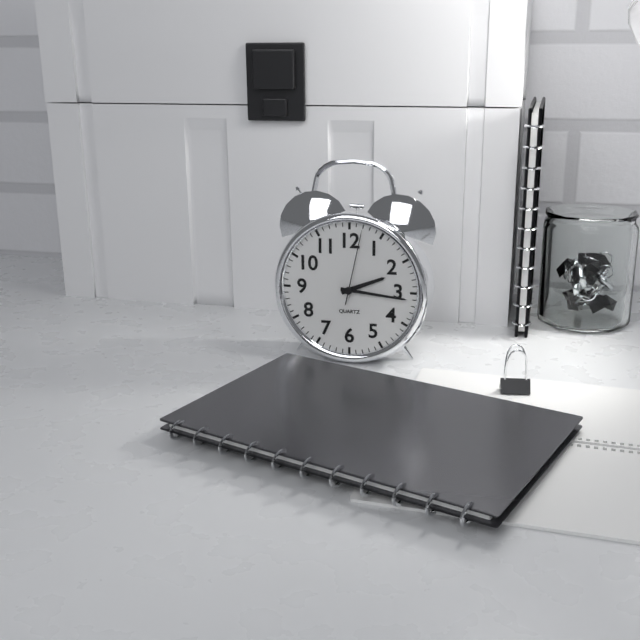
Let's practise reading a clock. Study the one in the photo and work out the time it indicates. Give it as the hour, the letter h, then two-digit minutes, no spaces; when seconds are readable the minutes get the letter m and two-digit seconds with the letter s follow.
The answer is 2h16m02s
